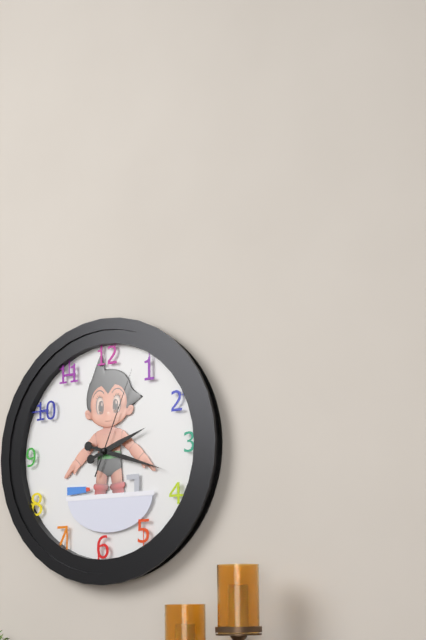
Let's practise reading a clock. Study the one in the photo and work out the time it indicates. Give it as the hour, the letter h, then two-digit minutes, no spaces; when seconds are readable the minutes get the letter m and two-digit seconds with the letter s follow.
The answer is 2h18m04s
